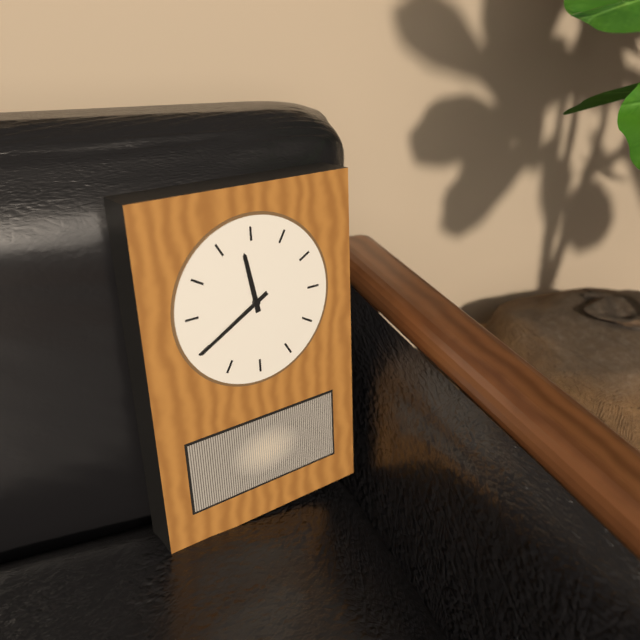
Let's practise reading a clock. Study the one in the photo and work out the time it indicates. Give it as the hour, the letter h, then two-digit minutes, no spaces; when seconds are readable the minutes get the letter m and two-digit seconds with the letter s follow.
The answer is 11h40
